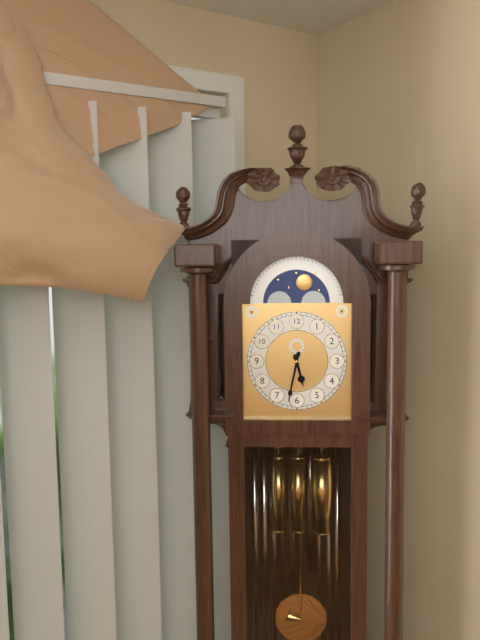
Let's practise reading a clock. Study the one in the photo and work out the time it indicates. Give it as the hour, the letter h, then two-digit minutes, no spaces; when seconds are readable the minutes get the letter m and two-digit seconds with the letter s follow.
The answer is 5h32
